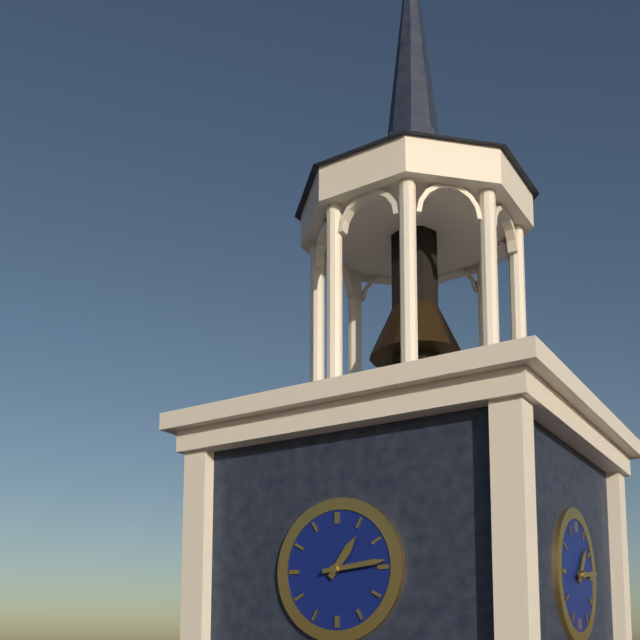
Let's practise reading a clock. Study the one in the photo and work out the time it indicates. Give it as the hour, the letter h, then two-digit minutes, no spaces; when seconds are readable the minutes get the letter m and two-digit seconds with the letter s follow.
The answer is 1h14
